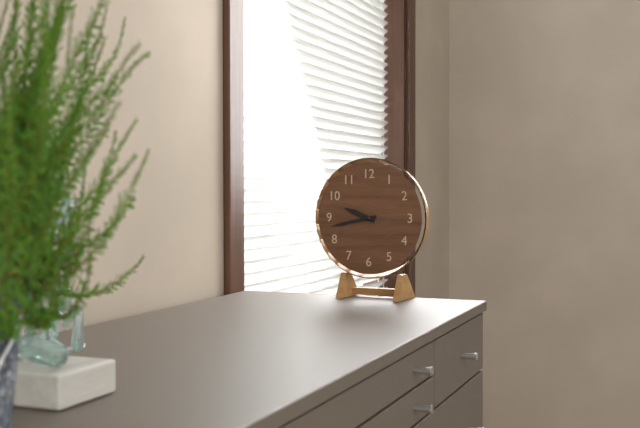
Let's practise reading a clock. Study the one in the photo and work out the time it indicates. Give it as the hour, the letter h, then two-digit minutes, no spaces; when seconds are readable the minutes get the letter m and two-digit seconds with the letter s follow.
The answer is 9h43
